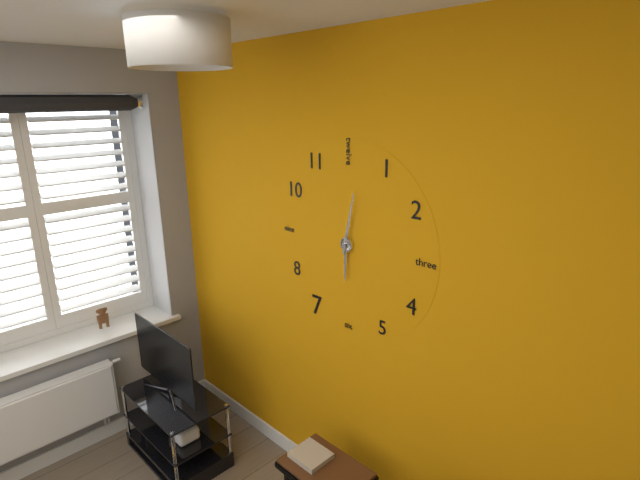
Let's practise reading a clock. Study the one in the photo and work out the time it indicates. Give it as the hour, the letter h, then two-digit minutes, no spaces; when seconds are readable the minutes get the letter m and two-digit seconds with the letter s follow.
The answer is 6h02
